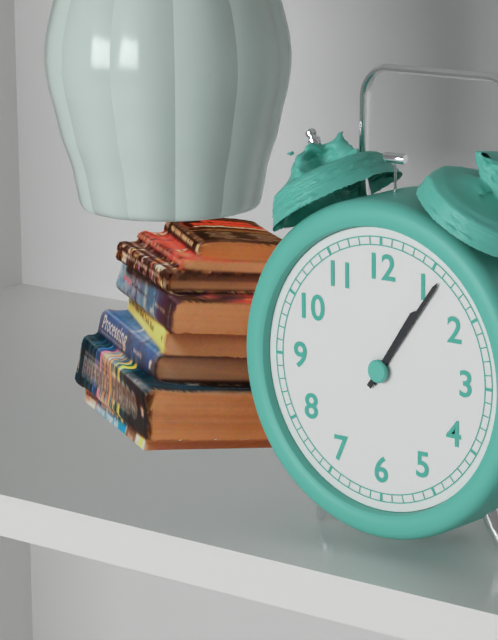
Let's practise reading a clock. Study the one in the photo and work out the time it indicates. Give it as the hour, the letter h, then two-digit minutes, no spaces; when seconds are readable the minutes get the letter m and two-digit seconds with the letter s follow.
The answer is 1h06
